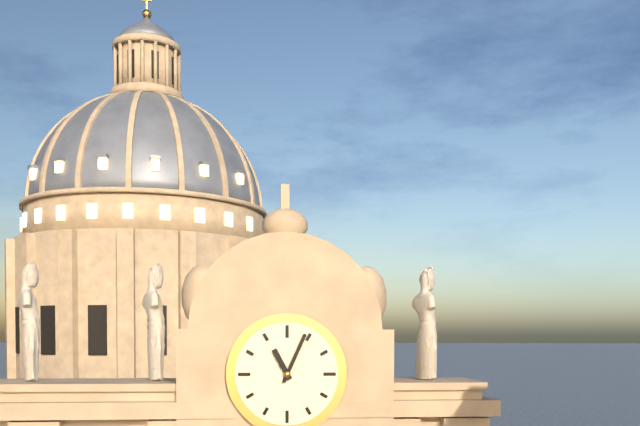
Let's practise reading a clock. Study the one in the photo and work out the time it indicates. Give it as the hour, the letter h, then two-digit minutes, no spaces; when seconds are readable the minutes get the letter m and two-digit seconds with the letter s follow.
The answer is 11h04
